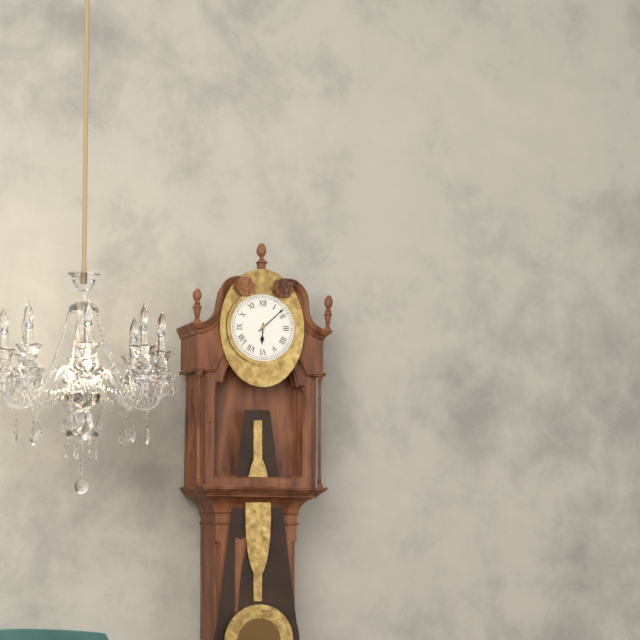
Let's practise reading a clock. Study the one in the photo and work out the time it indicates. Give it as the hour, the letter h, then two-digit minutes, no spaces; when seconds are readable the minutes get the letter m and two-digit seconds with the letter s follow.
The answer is 6h08
